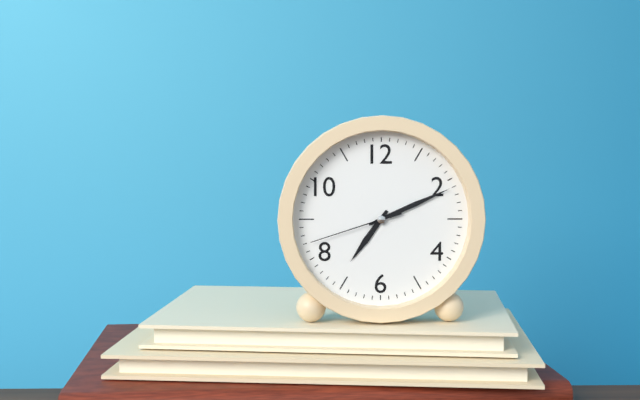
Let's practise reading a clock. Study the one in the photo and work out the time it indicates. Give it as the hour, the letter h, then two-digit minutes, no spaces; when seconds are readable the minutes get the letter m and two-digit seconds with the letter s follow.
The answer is 7h11m42s
